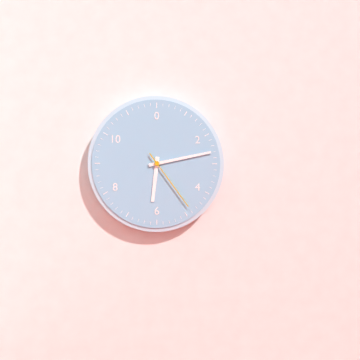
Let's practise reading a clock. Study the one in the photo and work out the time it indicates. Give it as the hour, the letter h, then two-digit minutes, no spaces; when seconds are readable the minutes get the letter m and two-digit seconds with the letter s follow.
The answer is 6h13m24s
